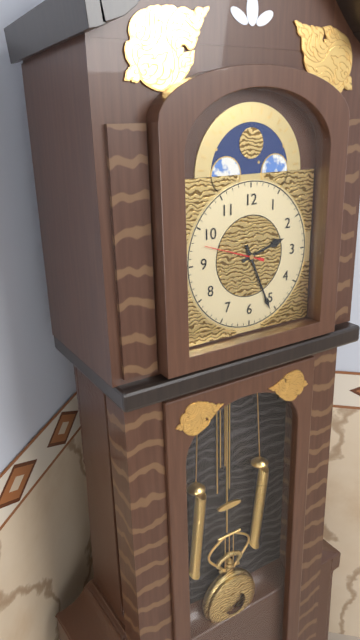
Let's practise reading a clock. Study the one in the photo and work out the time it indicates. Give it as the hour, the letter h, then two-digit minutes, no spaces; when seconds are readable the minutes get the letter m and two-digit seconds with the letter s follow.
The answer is 2h26m48s
